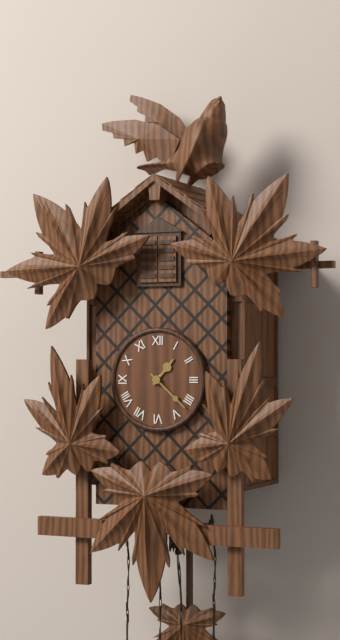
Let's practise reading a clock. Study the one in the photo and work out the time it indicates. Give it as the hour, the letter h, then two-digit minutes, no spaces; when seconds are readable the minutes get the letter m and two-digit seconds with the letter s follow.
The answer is 1h22
